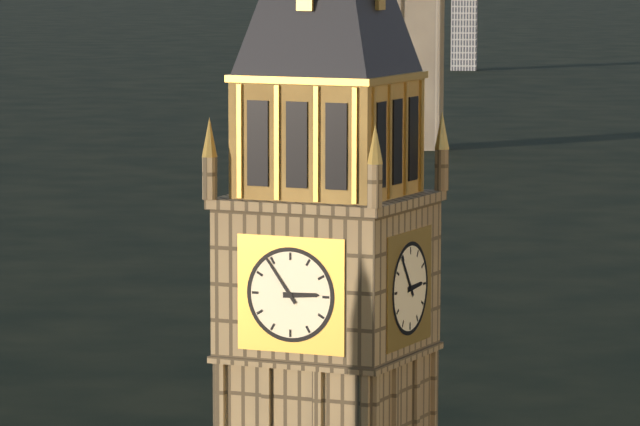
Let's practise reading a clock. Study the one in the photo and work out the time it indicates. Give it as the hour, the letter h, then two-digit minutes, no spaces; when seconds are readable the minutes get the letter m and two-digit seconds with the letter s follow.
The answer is 2h54
